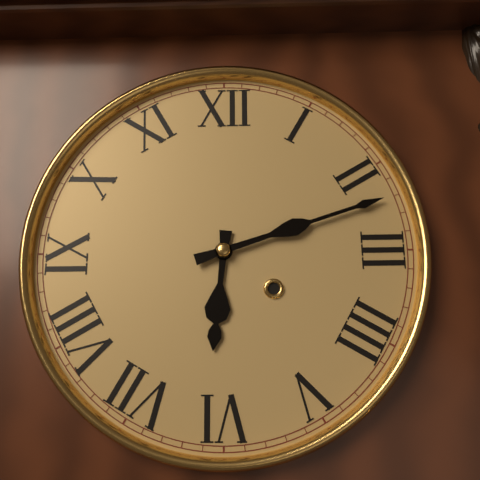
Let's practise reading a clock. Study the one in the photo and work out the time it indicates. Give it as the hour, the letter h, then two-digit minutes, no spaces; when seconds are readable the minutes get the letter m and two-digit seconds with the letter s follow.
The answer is 6h12
